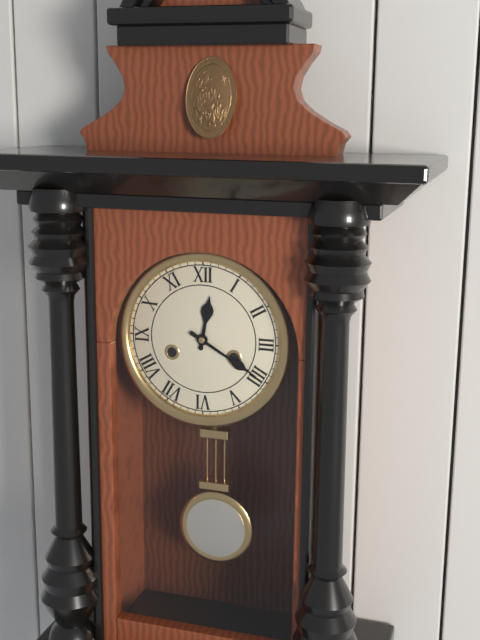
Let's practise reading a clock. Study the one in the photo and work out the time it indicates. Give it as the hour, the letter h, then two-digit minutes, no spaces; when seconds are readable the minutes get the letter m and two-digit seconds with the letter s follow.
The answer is 12h20
